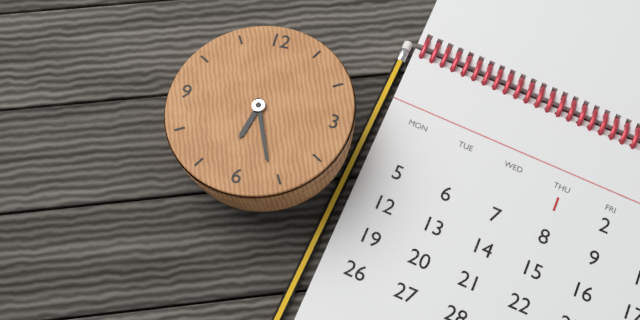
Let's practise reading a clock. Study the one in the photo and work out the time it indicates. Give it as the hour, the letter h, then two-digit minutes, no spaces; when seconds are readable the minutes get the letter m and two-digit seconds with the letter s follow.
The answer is 6h26
